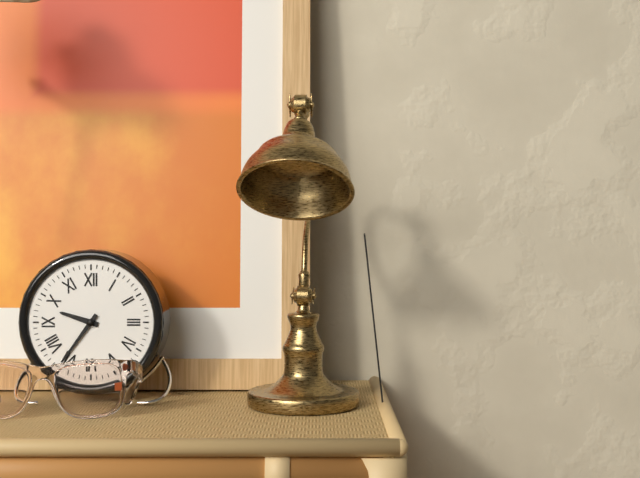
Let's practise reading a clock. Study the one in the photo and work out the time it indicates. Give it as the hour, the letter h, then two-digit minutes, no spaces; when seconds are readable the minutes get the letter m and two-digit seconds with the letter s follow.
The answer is 9h36
